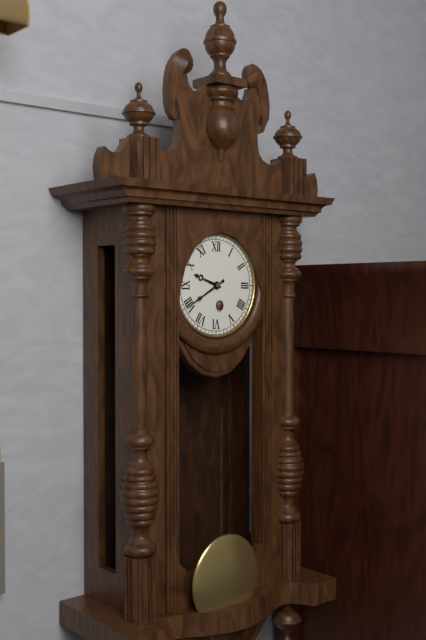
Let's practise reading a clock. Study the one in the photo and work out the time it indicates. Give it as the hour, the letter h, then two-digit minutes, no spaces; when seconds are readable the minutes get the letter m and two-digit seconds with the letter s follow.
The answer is 9h40
